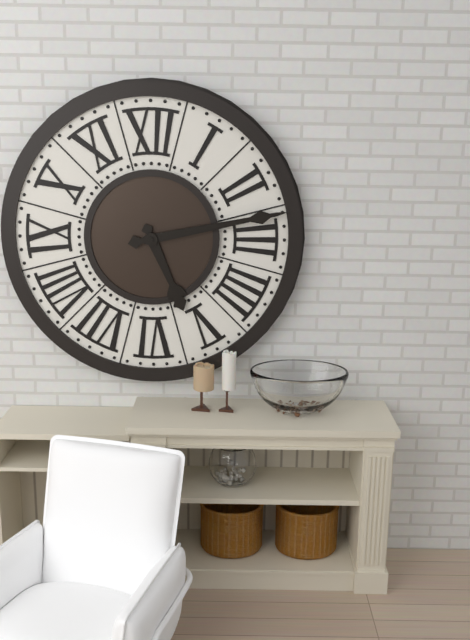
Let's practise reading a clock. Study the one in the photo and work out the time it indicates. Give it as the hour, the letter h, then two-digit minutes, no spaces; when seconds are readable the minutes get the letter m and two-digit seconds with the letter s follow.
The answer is 5h13
